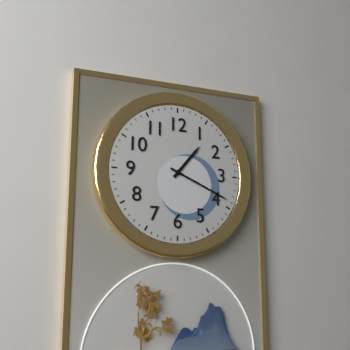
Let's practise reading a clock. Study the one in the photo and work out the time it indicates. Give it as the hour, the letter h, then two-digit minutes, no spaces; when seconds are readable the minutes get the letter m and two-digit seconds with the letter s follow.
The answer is 1h19
